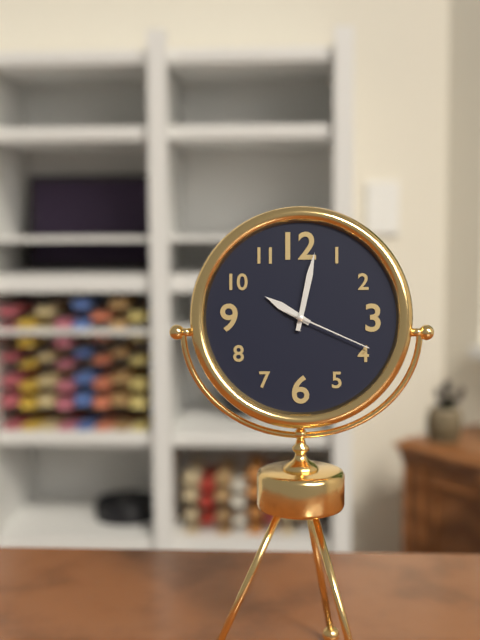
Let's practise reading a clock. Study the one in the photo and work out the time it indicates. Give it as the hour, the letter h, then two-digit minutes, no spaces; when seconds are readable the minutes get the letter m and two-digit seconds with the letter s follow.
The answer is 10h02m19s
